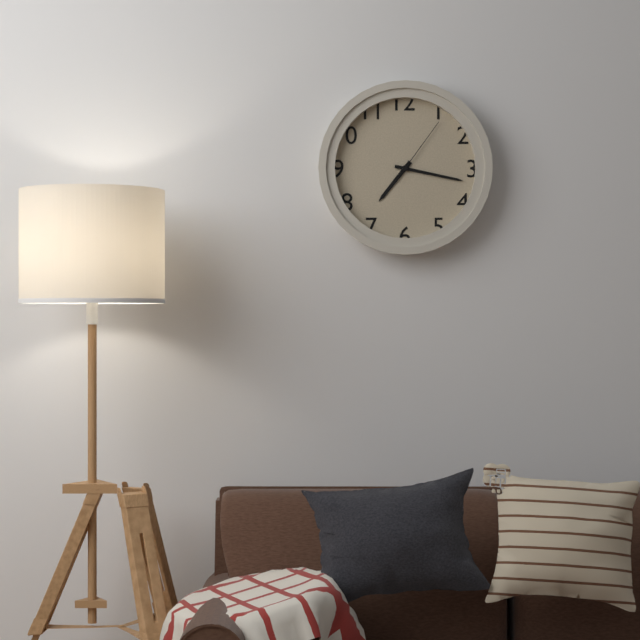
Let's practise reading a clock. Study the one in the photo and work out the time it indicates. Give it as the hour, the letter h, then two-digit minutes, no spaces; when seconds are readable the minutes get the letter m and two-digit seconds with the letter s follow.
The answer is 7h17m06s
